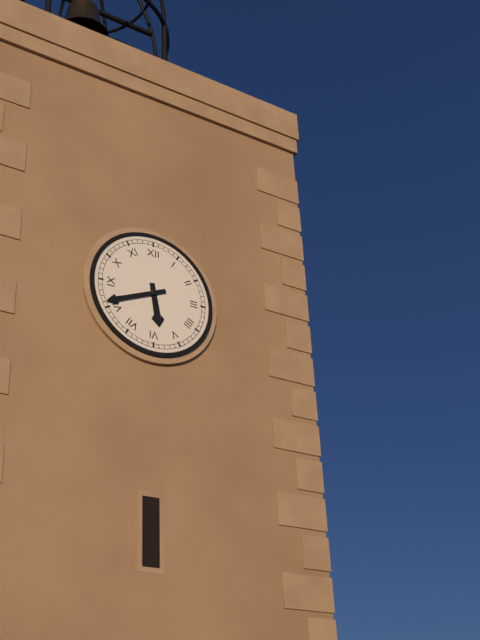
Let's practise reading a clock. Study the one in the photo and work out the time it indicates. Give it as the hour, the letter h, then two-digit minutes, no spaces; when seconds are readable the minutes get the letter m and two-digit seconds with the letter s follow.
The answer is 5h41
